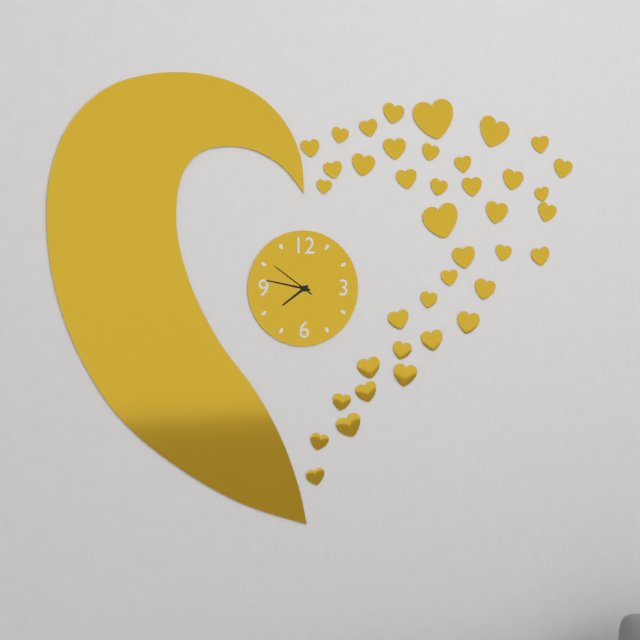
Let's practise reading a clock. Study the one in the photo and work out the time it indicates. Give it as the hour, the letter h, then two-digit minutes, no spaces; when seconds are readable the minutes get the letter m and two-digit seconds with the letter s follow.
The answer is 7h47
